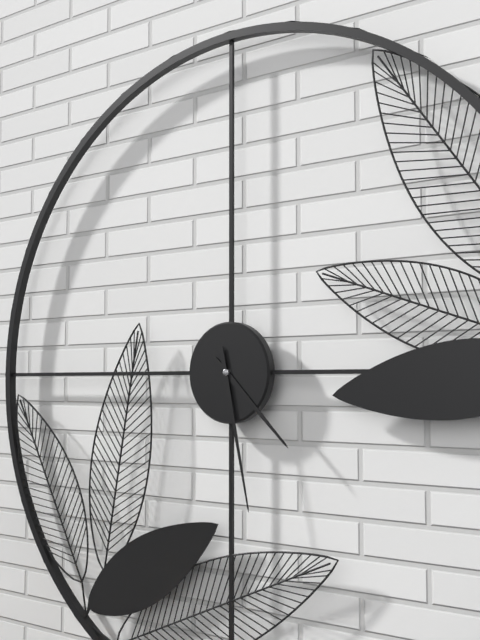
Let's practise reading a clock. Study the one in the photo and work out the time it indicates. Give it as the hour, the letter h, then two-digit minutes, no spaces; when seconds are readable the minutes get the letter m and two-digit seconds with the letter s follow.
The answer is 4h28
